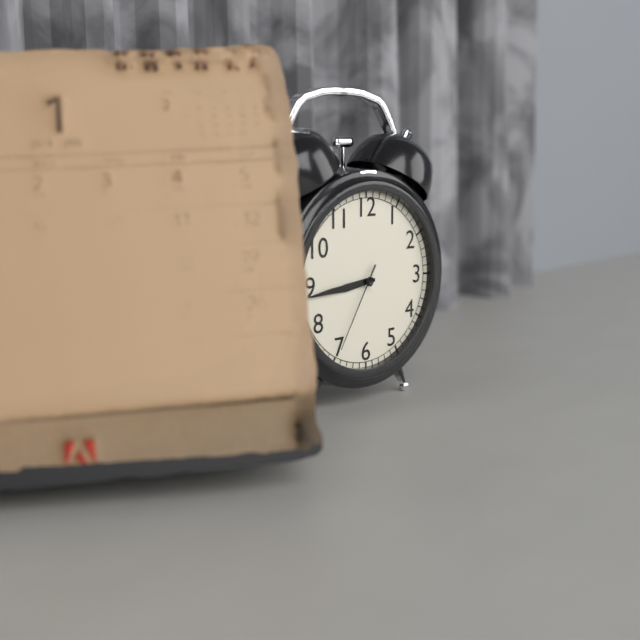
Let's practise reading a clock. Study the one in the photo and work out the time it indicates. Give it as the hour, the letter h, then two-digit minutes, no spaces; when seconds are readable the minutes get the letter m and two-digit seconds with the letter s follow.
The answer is 8h44m35s
